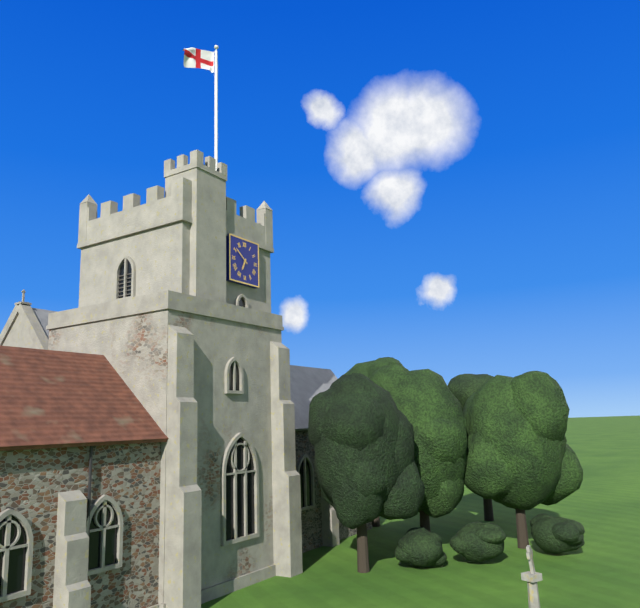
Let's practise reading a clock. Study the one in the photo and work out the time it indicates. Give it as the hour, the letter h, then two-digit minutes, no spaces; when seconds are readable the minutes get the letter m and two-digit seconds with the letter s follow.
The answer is 6h51
